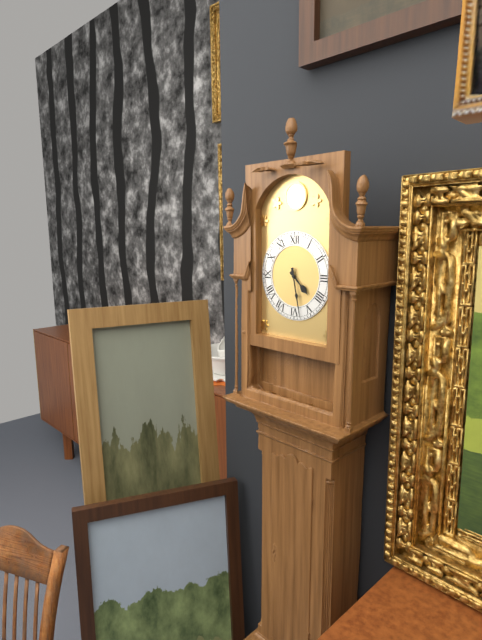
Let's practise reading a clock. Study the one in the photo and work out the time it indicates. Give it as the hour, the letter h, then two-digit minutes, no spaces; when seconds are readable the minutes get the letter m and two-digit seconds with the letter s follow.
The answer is 4h28
